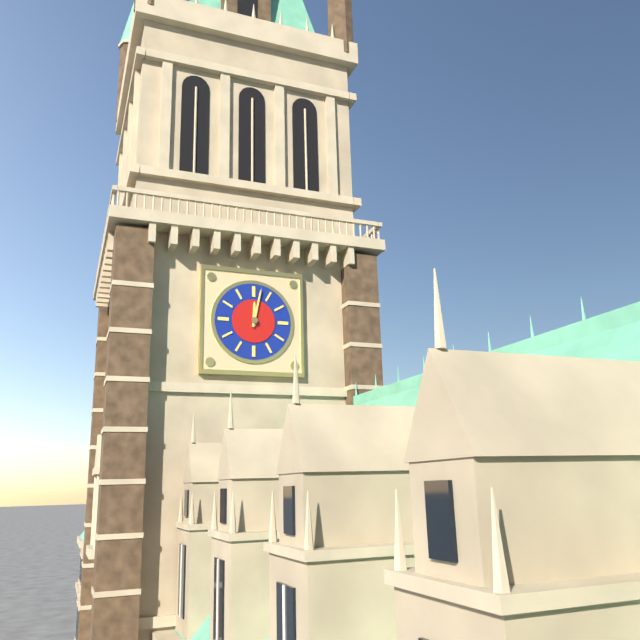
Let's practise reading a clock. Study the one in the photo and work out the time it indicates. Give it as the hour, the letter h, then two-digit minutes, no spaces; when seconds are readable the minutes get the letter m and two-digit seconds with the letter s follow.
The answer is 12h02
